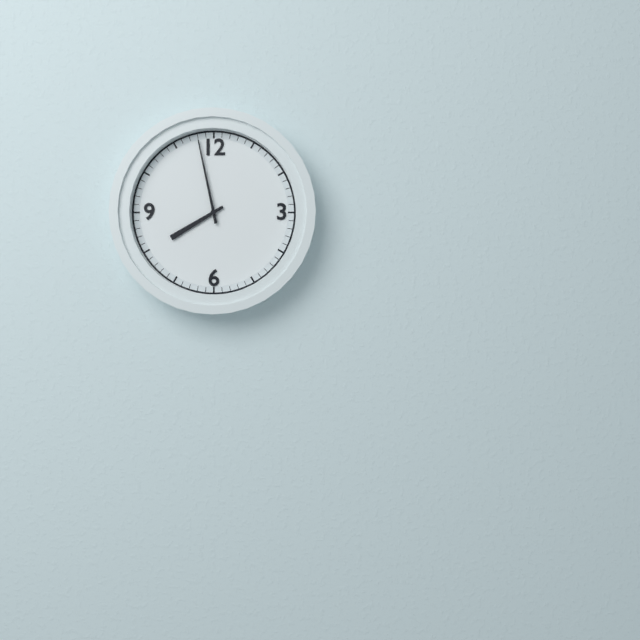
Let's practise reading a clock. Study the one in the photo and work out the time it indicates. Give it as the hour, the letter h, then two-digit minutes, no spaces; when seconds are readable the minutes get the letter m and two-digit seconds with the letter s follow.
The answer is 7h58
